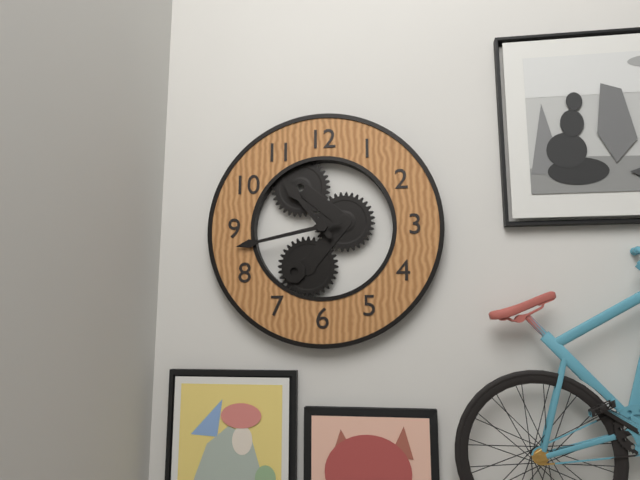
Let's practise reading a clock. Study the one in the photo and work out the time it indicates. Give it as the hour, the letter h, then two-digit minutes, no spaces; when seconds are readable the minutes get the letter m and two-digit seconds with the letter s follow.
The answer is 10h43
